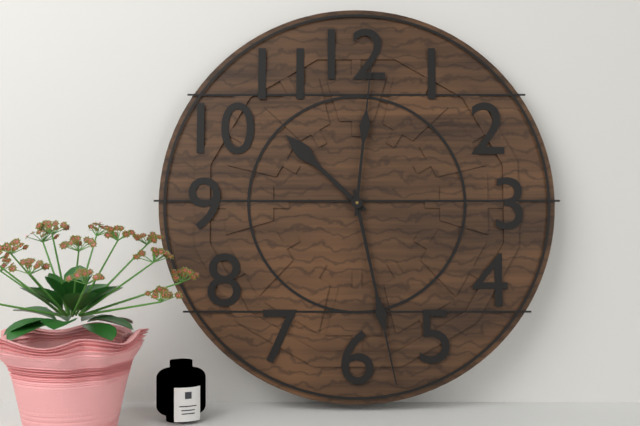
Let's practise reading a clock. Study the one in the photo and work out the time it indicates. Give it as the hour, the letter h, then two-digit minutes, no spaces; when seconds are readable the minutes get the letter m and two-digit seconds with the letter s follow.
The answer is 10h28m01s
